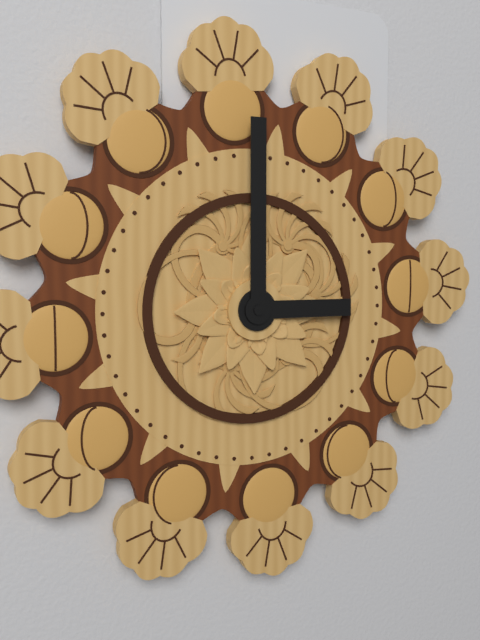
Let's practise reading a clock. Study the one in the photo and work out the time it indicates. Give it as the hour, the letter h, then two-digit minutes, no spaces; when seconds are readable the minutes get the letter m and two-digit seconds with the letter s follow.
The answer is 3h00
